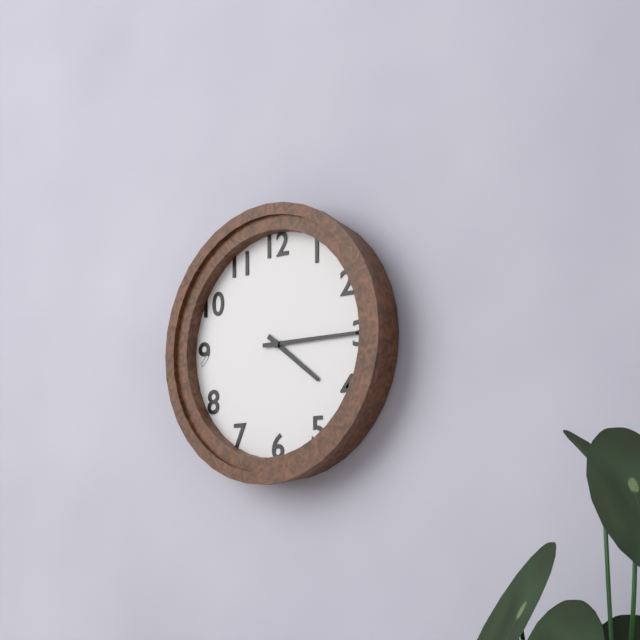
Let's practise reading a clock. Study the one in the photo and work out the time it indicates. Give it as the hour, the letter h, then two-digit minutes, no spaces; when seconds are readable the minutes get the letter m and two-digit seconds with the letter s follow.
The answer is 4h15
